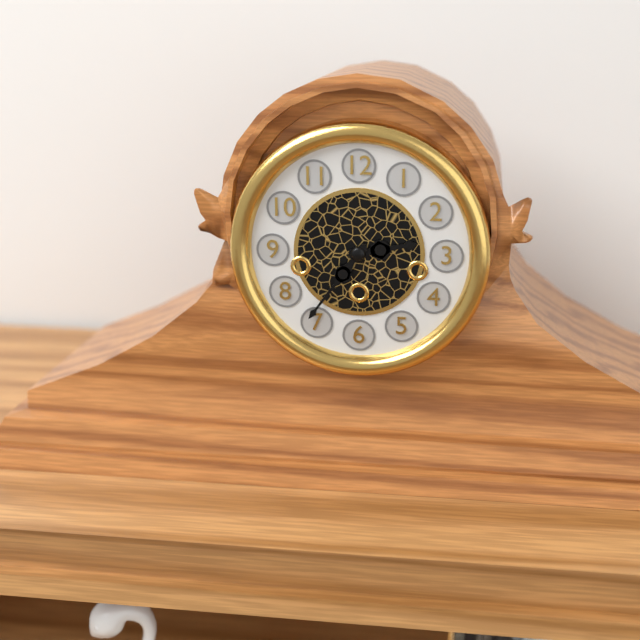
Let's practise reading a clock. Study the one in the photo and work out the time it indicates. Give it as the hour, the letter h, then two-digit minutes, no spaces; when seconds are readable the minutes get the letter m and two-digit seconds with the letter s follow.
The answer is 2h36
